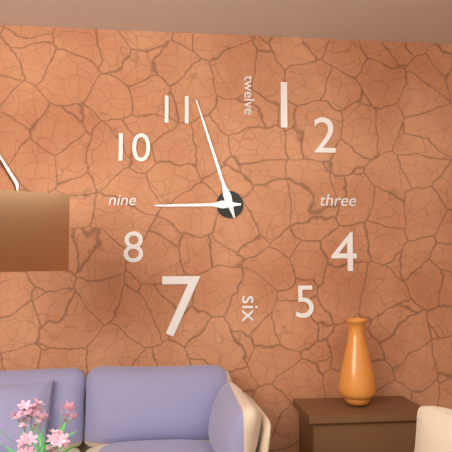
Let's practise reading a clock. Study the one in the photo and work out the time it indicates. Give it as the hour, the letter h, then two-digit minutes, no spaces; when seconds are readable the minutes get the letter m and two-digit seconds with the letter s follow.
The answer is 8h57
